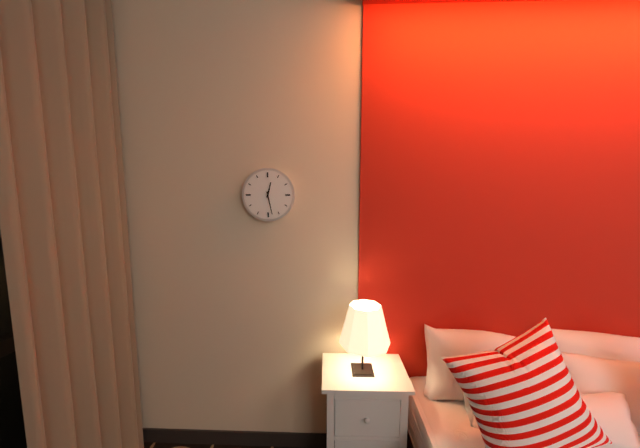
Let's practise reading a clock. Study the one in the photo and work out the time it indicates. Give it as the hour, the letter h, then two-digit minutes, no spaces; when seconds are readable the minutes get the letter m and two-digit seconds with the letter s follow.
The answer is 12h28
